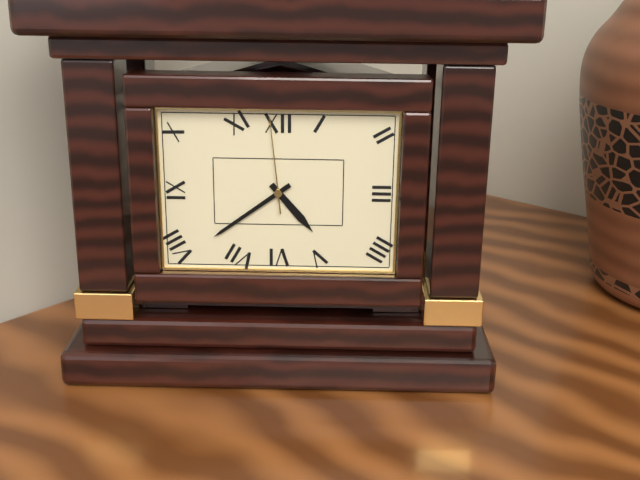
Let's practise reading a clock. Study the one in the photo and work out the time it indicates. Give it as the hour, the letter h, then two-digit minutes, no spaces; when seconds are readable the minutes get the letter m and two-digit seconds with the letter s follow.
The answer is 4h39m59s
